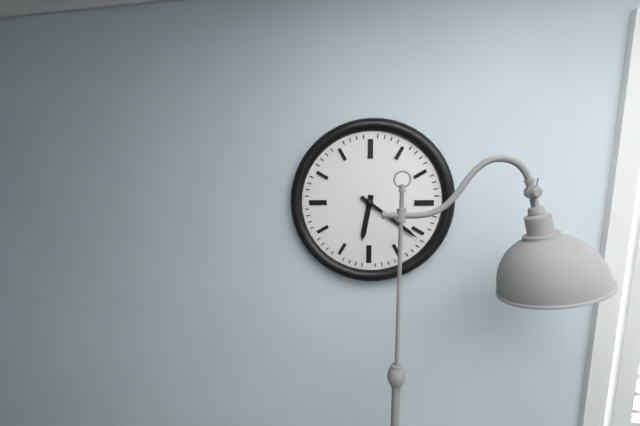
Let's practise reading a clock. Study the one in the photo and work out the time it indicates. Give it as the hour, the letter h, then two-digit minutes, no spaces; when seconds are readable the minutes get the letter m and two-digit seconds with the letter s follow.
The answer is 6h21
